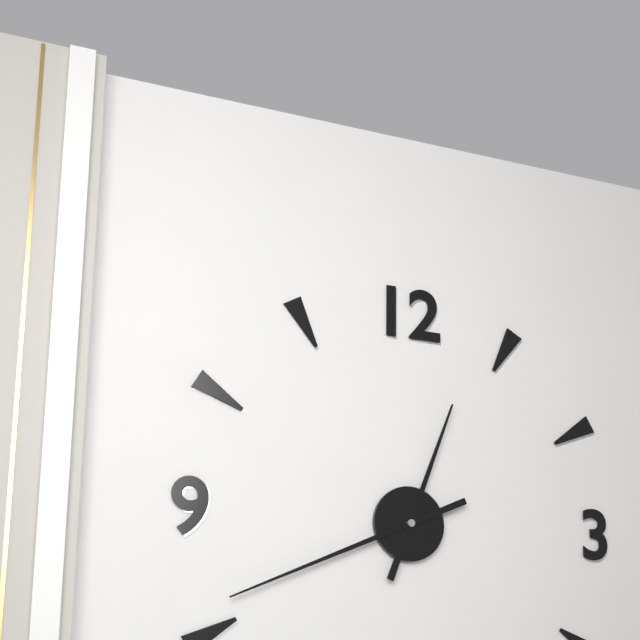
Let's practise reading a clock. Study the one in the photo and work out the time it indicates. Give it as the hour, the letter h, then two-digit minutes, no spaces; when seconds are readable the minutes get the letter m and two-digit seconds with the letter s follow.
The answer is 12h41
